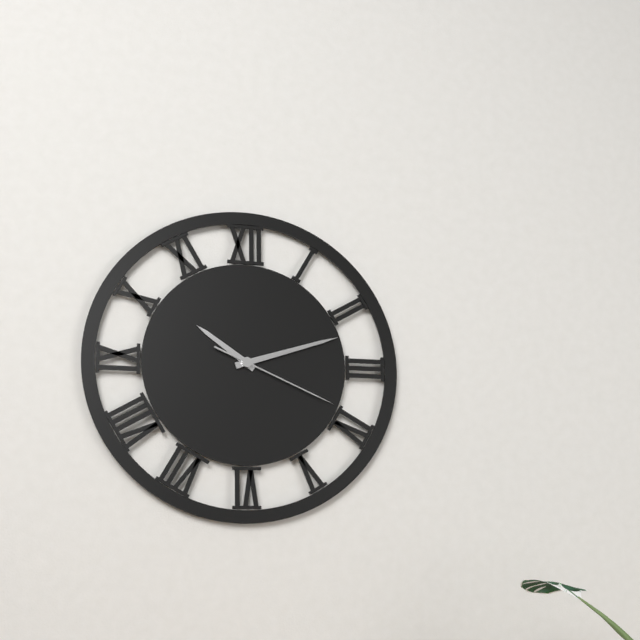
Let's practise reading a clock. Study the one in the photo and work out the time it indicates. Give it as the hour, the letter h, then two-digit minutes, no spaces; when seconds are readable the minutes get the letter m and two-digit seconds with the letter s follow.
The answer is 10h12m19s
